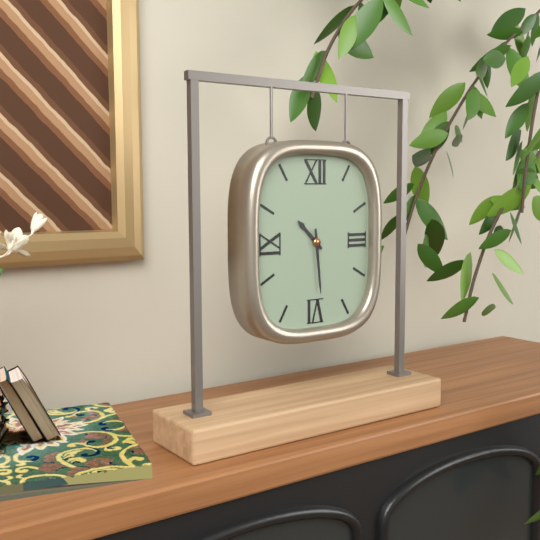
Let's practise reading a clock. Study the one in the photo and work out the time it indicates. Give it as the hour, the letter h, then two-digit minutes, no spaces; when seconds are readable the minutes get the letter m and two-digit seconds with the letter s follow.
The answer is 10h29
